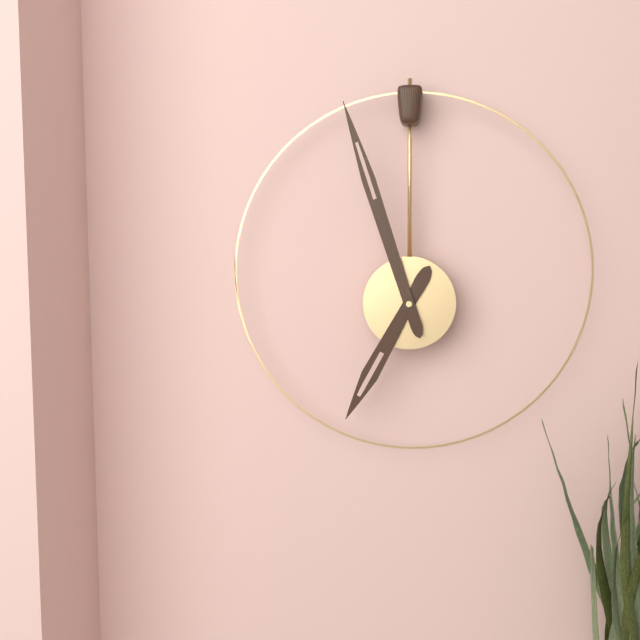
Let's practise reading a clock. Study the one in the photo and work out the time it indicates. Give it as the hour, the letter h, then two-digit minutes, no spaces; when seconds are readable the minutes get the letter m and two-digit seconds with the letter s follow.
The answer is 6h57
